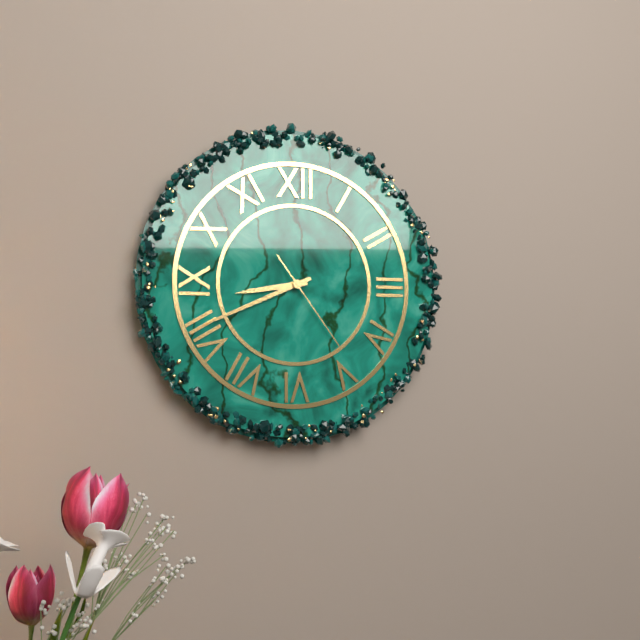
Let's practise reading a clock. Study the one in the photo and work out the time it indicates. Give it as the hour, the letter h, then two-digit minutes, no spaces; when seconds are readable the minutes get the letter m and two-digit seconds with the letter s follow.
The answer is 8h41m24s
